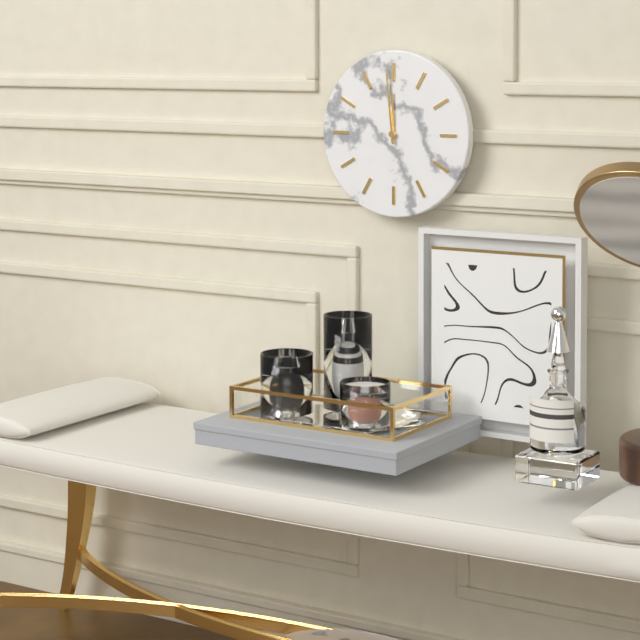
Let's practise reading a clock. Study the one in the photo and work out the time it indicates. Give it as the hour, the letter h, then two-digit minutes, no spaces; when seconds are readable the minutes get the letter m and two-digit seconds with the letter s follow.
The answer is 11h59
